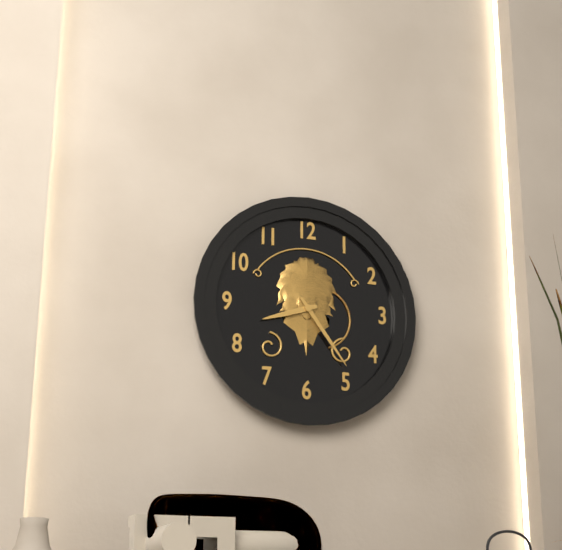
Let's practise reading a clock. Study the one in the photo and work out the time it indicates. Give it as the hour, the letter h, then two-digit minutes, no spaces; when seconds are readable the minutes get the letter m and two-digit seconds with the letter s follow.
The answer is 8h24
